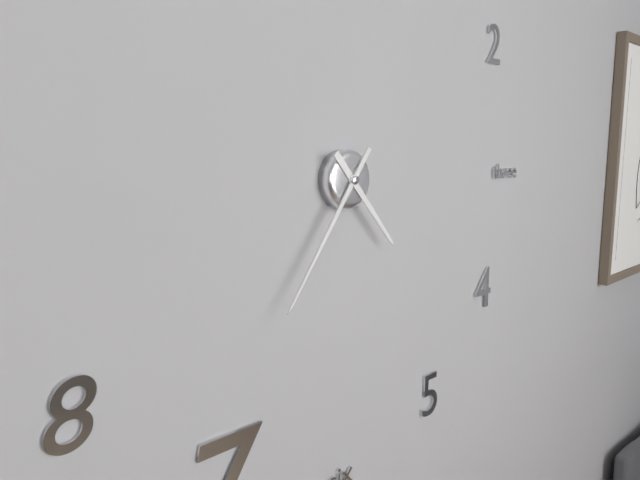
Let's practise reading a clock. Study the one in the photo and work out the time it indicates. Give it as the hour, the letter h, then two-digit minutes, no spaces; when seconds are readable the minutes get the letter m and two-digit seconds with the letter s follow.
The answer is 4h36
